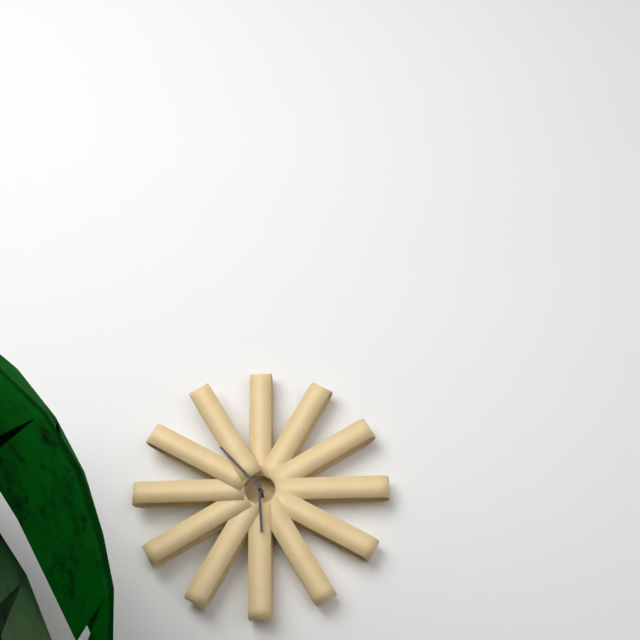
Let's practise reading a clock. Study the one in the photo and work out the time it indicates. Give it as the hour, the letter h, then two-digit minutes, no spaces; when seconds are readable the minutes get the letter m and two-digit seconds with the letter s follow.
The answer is 5h53
